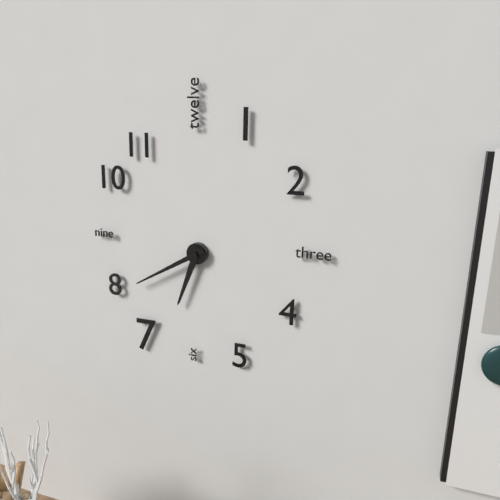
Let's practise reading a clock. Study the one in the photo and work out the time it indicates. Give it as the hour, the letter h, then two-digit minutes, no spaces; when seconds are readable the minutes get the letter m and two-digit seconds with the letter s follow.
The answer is 6h40
